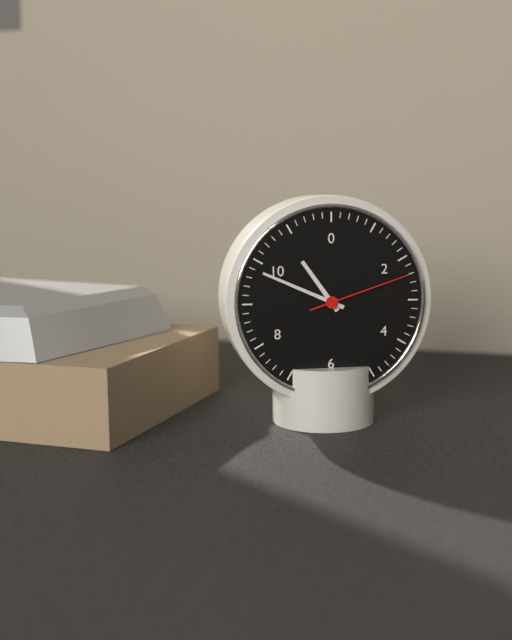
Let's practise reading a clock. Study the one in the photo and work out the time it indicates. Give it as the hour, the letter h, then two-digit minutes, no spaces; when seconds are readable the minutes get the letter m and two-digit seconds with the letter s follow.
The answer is 10h49m12s
